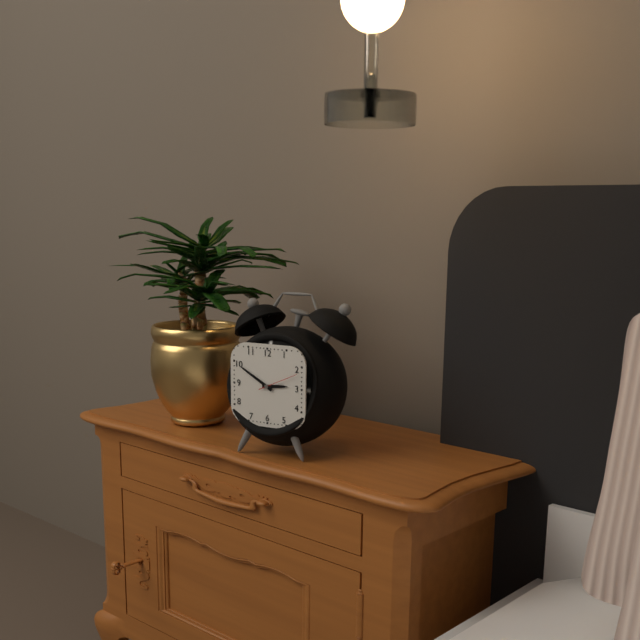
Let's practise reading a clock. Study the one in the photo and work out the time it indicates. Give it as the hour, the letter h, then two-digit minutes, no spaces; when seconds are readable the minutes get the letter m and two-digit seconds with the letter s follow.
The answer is 2h50
